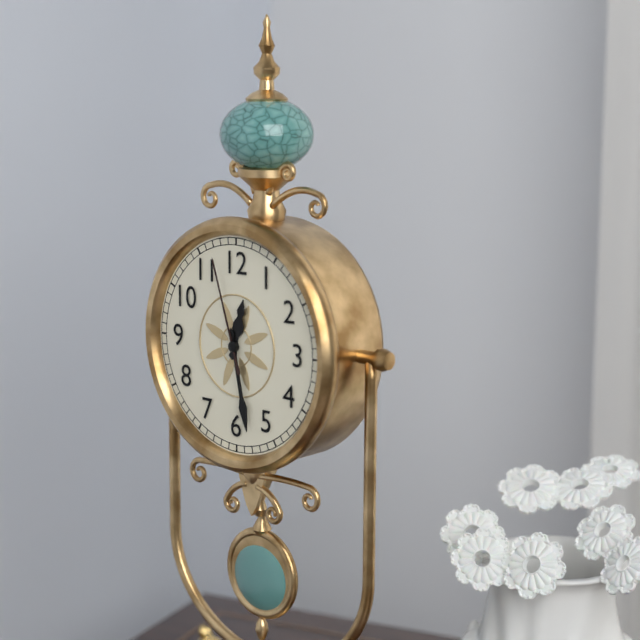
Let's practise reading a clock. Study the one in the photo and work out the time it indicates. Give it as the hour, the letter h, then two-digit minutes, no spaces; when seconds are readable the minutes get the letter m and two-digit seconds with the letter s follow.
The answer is 12h28m57s
